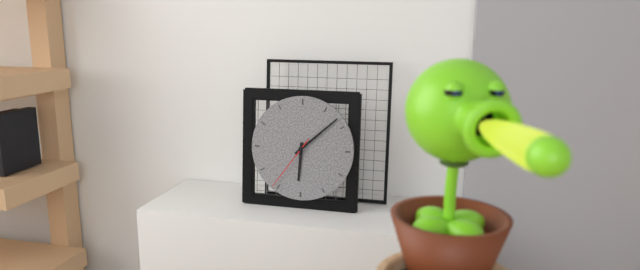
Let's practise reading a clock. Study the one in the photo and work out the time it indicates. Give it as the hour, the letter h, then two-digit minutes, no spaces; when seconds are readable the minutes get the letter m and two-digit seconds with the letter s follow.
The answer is 6h08m36s
